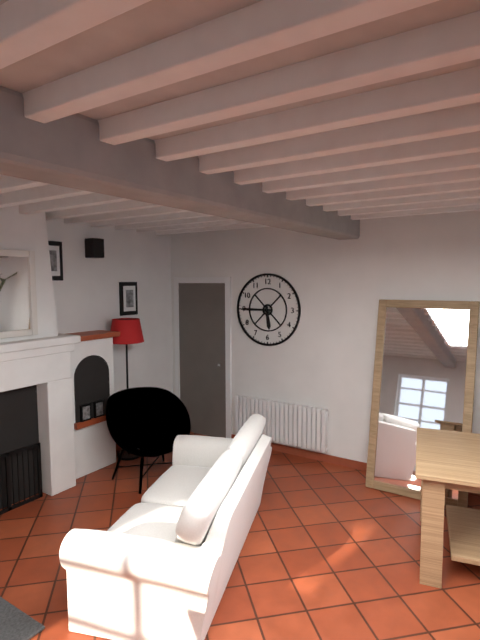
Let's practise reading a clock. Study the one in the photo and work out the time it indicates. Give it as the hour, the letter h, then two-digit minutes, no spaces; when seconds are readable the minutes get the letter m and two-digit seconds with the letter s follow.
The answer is 5h45
